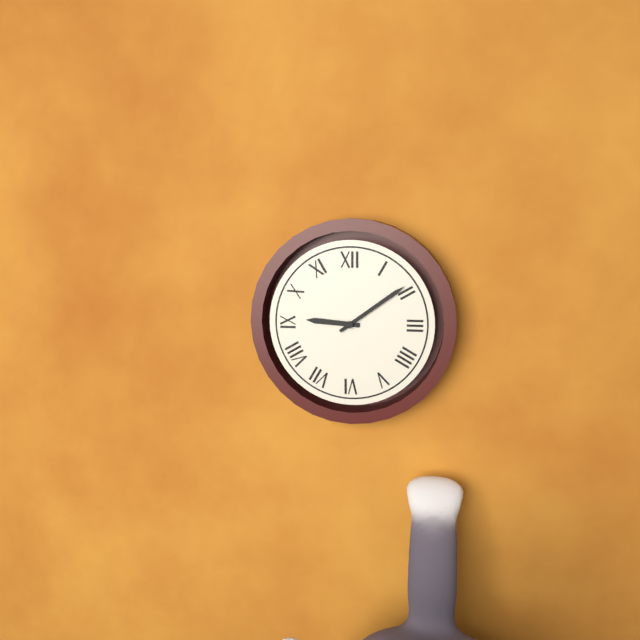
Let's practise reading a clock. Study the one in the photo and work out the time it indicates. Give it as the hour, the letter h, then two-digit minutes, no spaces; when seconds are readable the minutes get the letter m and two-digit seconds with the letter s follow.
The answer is 9h09
